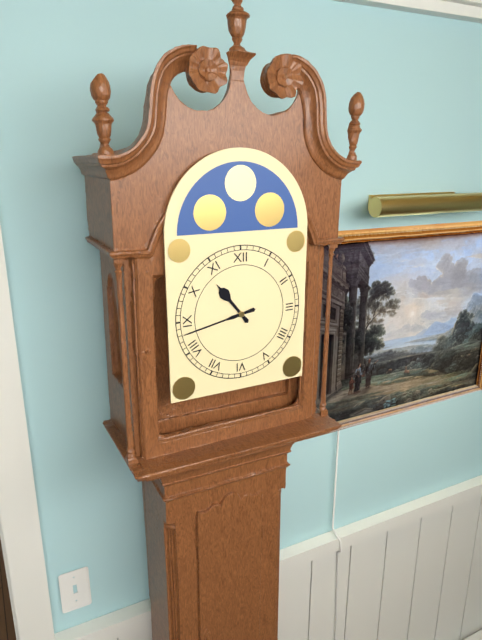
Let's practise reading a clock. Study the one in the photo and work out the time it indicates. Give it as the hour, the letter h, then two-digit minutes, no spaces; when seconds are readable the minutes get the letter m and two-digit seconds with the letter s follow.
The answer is 10h43
